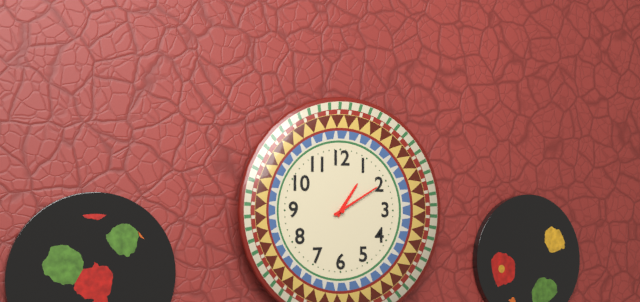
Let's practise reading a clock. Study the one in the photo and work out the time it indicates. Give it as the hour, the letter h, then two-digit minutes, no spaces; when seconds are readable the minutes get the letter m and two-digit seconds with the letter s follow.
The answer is 1h10
